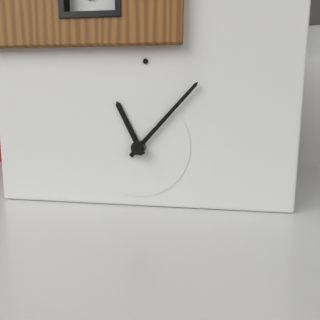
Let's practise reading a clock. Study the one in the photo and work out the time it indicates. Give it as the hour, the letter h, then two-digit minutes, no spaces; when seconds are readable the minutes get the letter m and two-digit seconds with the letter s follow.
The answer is 11h07
